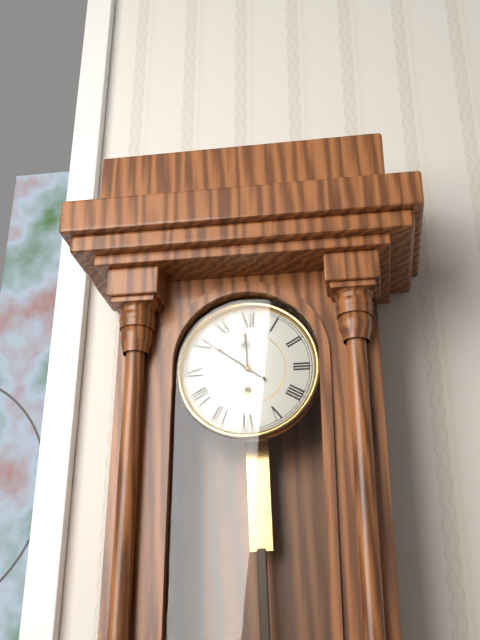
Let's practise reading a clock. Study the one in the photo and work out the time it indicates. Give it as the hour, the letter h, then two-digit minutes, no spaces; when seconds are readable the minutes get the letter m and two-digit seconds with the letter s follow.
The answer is 11h51
